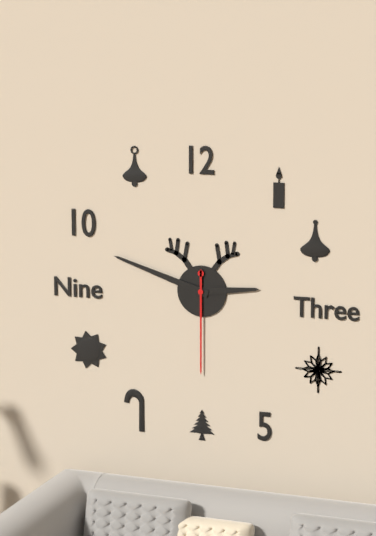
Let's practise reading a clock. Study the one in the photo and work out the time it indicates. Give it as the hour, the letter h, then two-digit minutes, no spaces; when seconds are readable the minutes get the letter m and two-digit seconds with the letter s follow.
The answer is 2h48m30s
